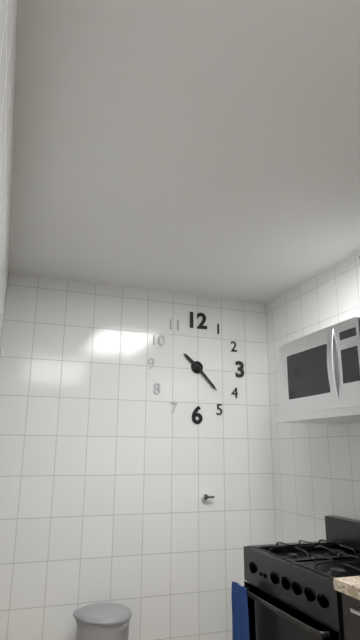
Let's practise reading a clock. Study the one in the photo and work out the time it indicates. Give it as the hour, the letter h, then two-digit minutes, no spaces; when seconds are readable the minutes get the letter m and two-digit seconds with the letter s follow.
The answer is 10h23
